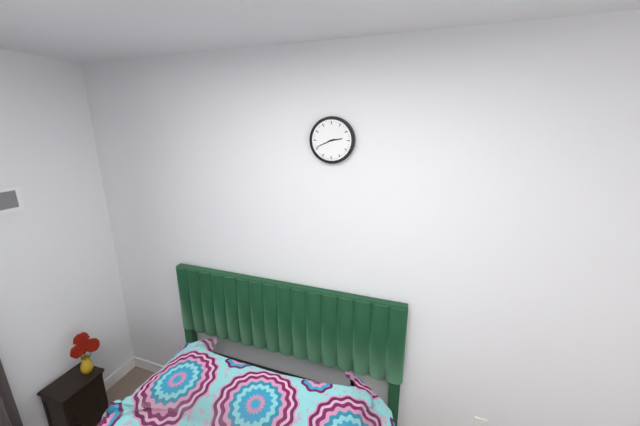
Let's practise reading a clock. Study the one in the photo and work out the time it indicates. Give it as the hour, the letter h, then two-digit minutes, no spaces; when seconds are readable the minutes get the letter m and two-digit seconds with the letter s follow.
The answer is 2h41
